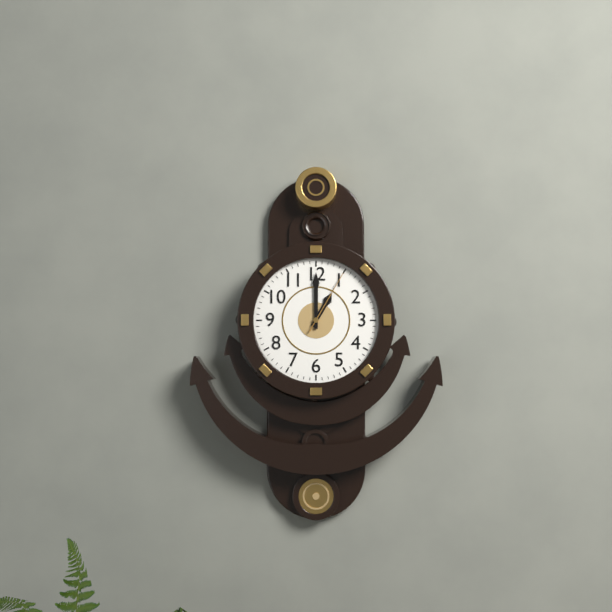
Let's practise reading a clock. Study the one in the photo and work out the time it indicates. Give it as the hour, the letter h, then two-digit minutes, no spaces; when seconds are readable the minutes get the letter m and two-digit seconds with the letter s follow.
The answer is 1h00m05s
